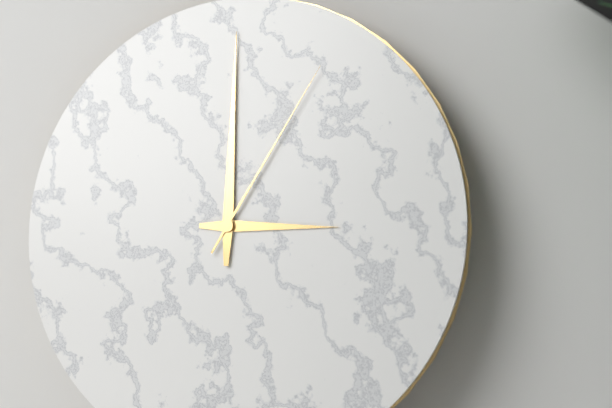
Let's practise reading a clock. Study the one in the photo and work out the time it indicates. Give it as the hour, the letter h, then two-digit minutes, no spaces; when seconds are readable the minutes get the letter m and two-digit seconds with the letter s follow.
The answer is 3h00m05s
